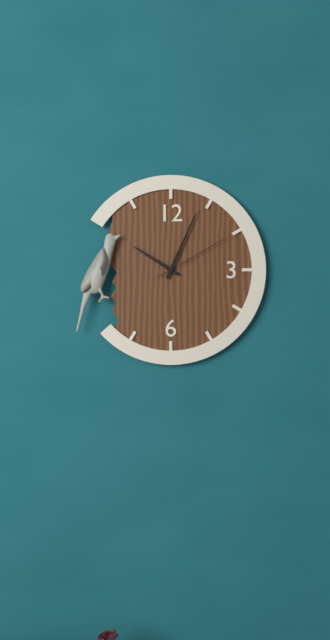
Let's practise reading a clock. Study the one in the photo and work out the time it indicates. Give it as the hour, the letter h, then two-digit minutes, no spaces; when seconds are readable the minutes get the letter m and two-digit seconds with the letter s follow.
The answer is 10h04m10s
